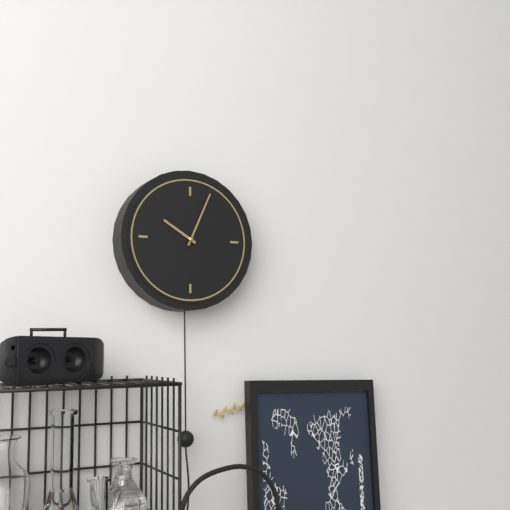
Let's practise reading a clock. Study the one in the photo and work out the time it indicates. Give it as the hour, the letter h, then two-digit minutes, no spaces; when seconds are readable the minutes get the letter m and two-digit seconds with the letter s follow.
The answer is 10h04
